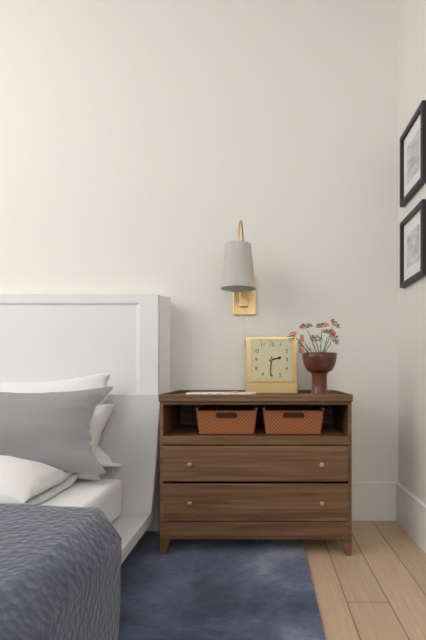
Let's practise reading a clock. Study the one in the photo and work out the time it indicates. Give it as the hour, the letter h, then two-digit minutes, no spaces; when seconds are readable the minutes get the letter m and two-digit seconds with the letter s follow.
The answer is 2h31
